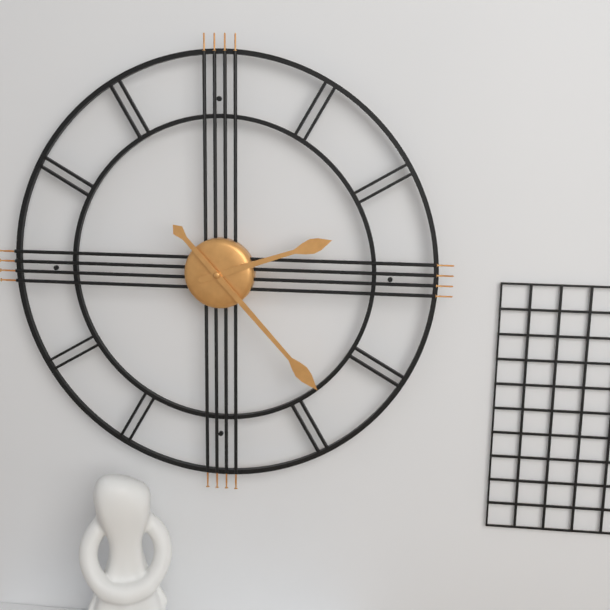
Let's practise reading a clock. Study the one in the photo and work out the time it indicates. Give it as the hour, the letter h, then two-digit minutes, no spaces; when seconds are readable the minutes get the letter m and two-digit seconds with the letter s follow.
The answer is 2h23
